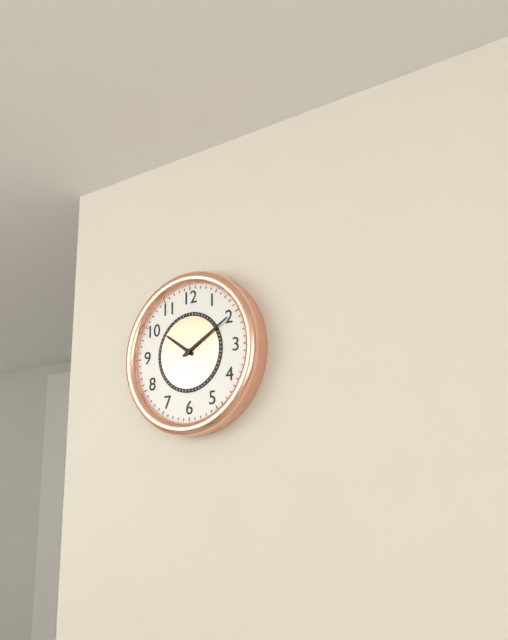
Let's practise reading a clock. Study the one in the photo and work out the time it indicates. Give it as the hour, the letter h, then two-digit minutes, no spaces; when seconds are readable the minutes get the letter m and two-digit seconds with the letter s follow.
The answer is 10h10
